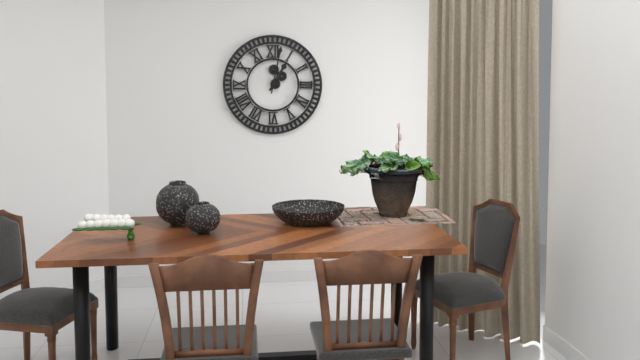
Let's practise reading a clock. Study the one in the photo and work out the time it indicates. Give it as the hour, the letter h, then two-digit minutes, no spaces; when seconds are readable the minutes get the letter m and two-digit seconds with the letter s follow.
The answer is 1h02
